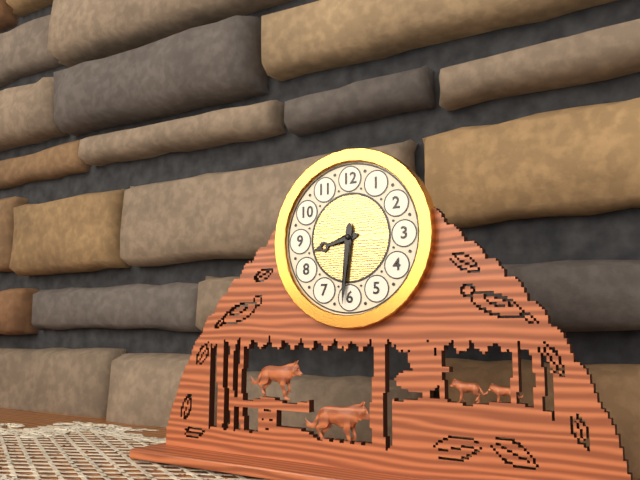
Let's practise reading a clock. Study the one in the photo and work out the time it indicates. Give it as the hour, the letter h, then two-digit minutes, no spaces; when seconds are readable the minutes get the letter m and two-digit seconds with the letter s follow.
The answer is 8h31
